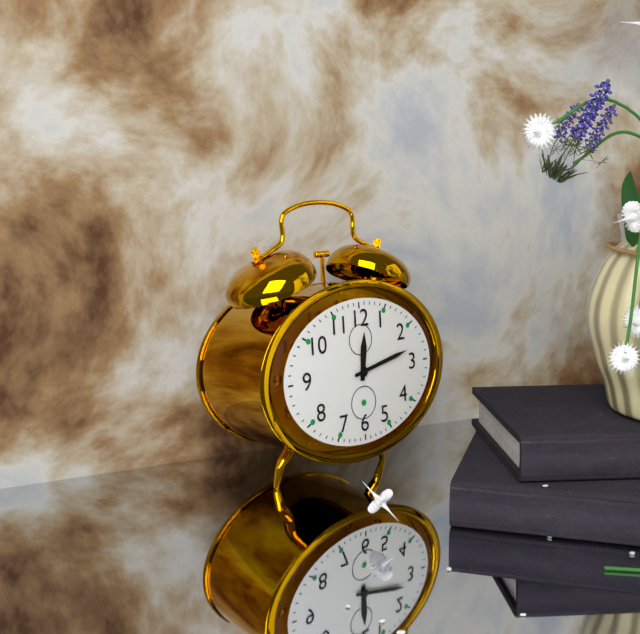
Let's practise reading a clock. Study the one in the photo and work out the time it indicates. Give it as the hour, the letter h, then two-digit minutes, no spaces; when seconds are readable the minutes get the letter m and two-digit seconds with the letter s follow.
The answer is 12h13
